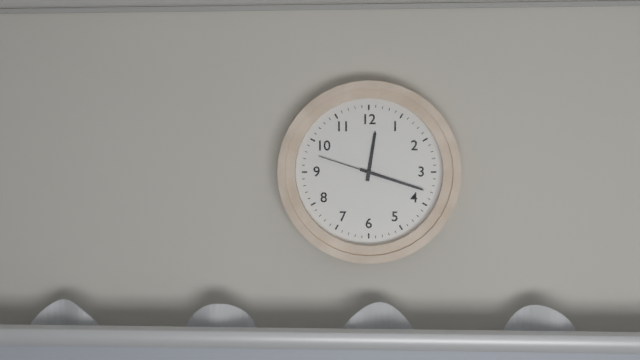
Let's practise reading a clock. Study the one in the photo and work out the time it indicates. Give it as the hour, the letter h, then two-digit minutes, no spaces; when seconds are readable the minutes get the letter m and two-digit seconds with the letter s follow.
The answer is 12h18m48s
